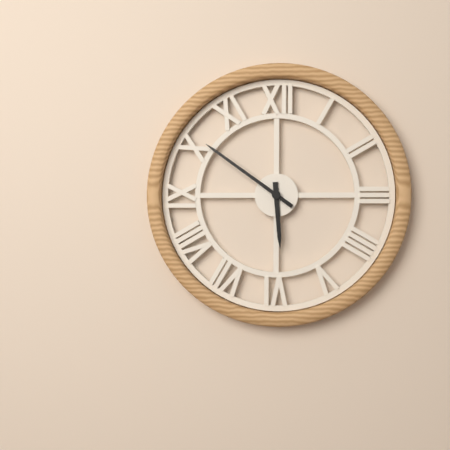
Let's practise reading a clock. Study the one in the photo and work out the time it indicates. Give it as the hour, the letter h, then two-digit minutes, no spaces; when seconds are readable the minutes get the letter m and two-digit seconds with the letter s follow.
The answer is 5h51
